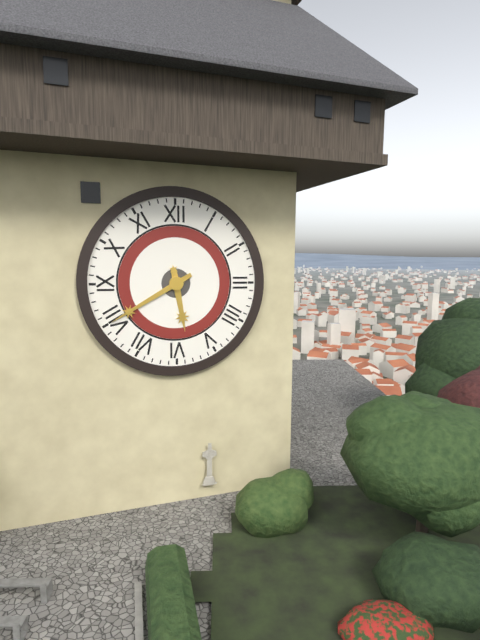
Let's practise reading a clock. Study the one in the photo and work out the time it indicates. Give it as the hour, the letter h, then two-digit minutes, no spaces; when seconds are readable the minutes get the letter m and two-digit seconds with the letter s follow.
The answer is 5h40
